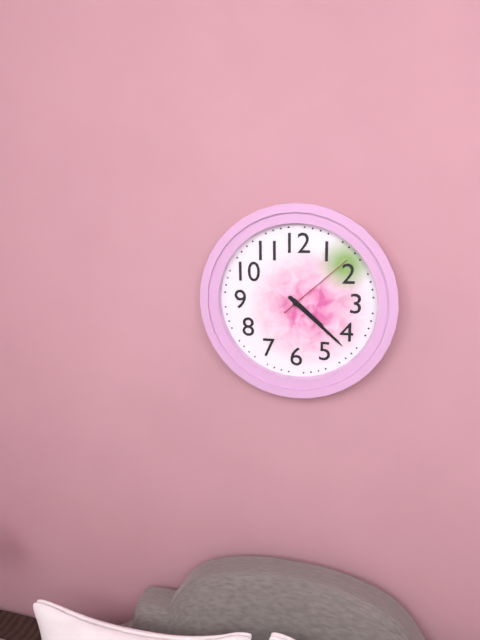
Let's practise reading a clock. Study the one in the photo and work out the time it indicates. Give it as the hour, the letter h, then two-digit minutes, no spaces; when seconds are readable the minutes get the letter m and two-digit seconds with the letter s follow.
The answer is 4h22m08s
